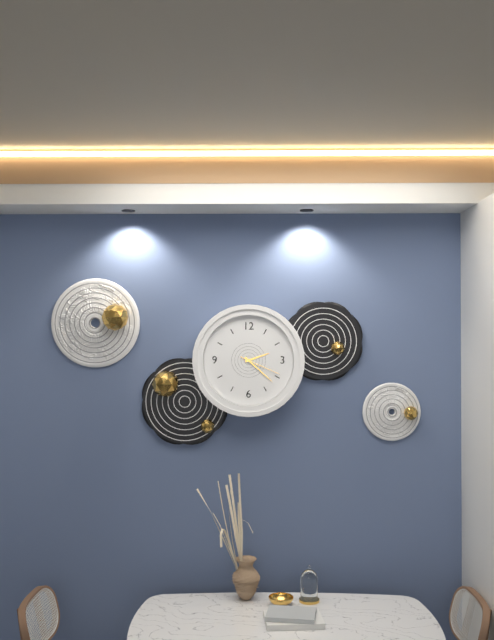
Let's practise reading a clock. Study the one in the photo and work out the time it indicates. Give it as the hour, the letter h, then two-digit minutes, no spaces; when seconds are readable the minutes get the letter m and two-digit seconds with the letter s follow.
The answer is 2h22
